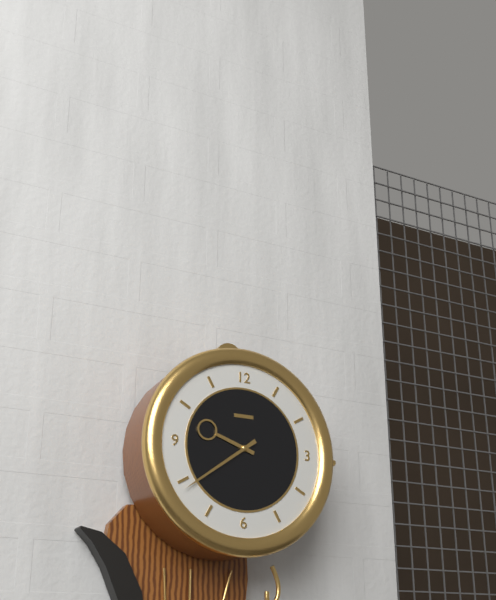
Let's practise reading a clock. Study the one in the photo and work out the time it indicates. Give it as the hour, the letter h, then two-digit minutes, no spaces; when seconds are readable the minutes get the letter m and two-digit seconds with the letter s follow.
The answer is 9h39
